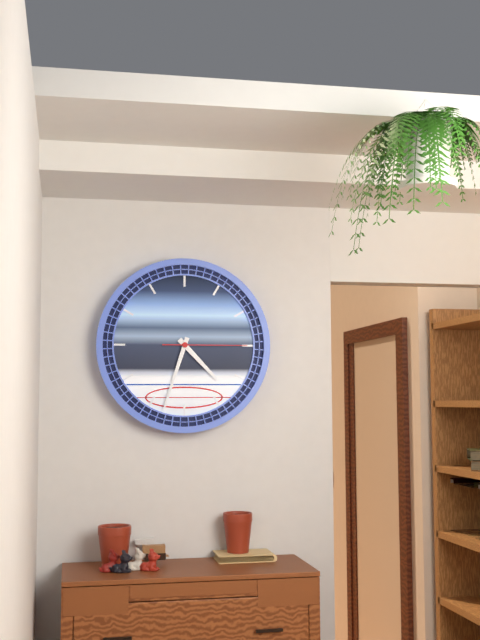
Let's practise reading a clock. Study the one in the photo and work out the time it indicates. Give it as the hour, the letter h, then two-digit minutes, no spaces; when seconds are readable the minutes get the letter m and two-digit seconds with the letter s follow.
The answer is 4h33m15s
